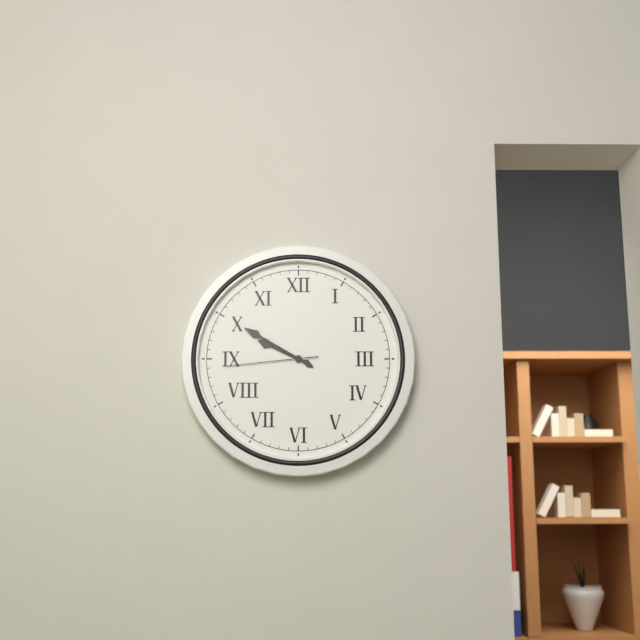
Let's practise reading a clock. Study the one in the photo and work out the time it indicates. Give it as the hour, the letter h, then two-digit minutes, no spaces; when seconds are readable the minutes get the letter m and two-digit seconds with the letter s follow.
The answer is 9h50m44s
